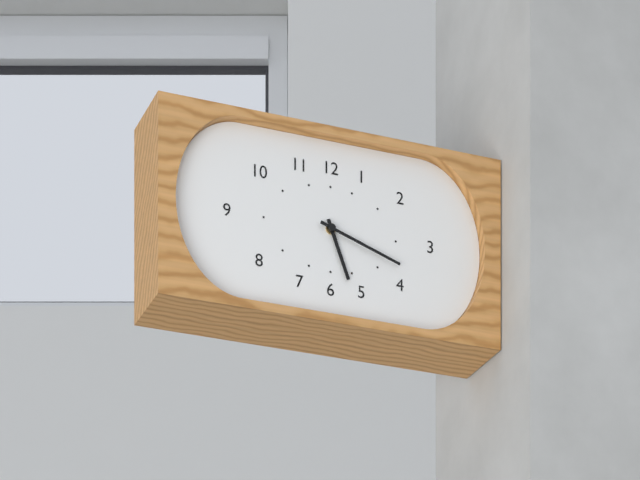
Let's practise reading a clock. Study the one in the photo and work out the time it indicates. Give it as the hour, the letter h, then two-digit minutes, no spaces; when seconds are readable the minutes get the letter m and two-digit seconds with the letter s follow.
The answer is 5h18
